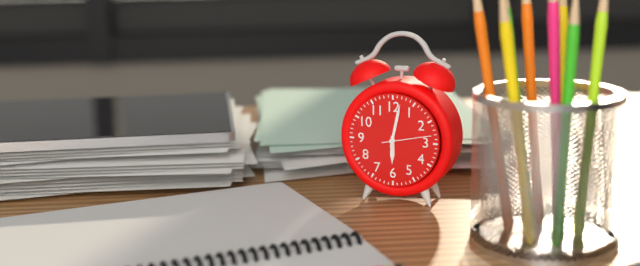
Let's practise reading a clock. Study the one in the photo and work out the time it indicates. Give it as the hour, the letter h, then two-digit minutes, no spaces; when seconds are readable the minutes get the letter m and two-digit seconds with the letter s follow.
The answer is 6h02
